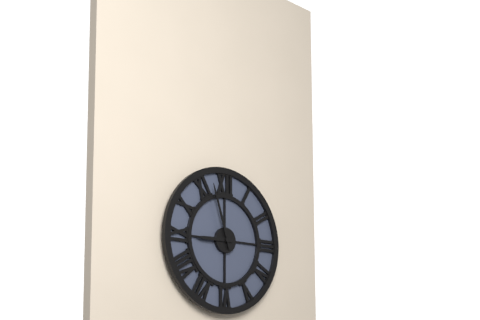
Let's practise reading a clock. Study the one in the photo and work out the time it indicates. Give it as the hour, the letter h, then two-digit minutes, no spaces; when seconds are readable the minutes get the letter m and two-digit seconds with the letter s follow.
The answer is 8h57
